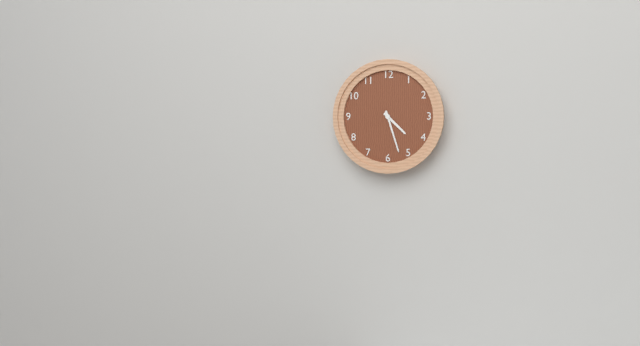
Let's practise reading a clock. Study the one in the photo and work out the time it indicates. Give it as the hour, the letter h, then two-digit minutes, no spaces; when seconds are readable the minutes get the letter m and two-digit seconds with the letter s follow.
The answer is 4h27
